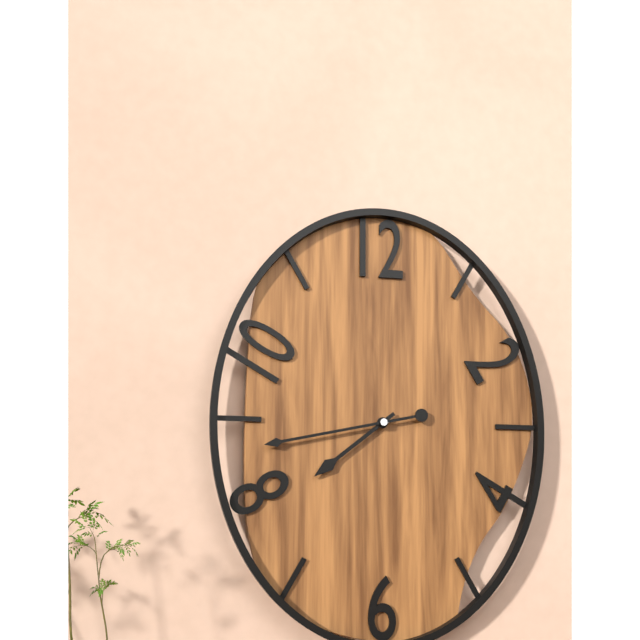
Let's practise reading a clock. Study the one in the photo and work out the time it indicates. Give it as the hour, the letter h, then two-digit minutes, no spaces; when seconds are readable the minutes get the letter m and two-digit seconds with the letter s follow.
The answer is 7h43
